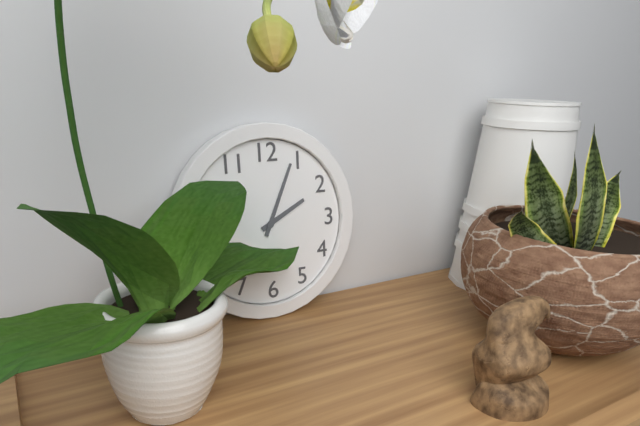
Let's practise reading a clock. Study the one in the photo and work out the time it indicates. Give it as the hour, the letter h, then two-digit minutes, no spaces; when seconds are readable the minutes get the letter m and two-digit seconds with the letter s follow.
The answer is 2h04
